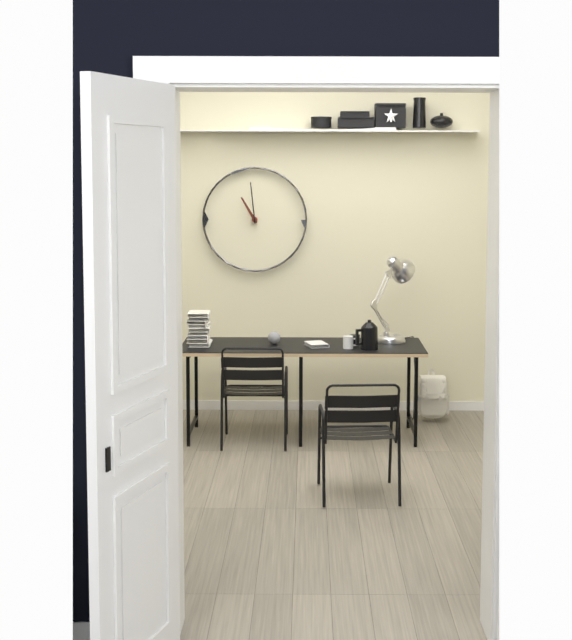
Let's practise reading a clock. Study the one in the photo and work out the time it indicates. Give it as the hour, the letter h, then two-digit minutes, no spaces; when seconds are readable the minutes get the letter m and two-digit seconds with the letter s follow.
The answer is 10h59
